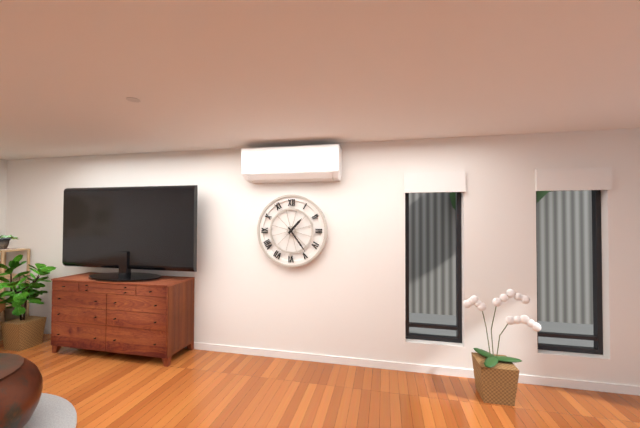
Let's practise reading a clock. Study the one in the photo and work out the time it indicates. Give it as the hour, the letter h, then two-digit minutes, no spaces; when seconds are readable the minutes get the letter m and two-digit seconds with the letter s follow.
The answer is 1h24
